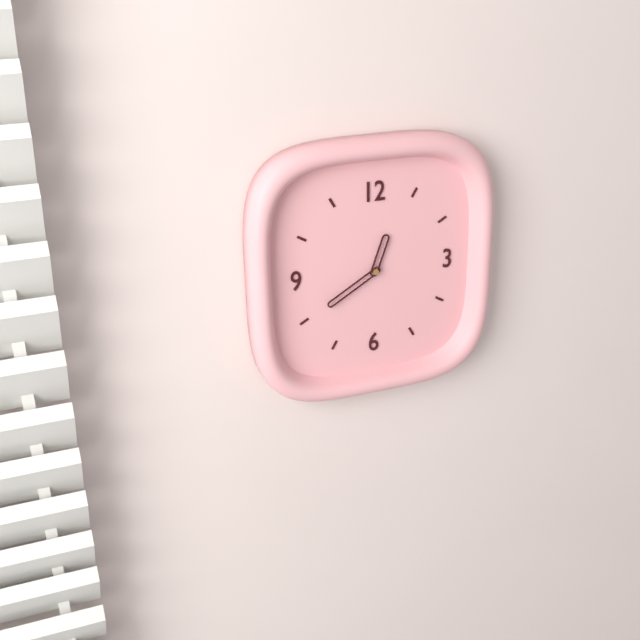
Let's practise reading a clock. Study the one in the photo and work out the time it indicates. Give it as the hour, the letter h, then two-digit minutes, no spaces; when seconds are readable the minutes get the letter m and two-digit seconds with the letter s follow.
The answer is 12h40
